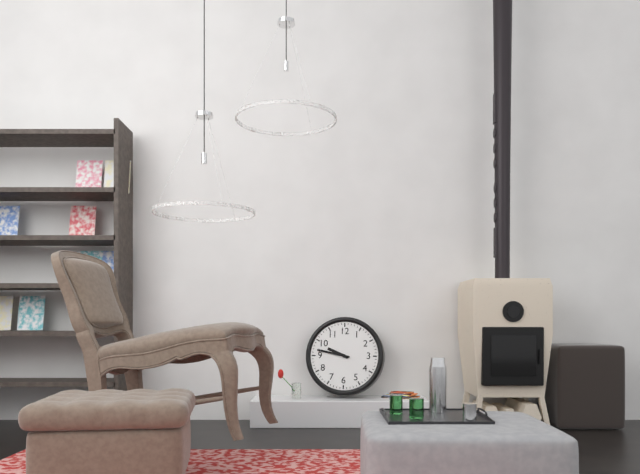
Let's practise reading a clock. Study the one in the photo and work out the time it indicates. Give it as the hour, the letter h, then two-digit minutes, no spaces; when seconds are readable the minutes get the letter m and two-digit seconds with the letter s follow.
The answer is 9h47
